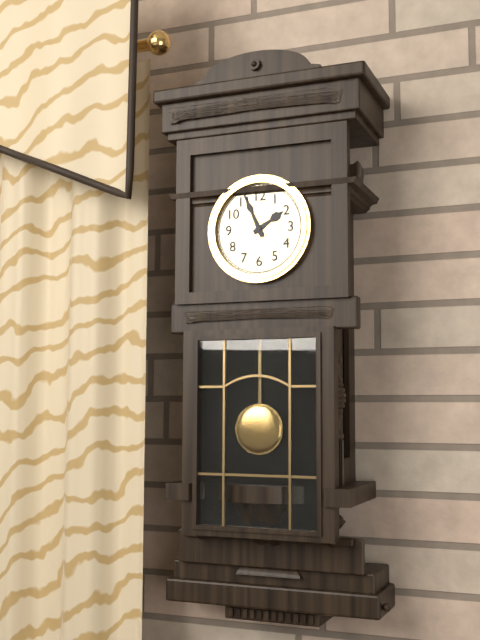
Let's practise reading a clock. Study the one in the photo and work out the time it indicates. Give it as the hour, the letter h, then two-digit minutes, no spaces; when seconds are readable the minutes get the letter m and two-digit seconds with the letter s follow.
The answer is 1h56
